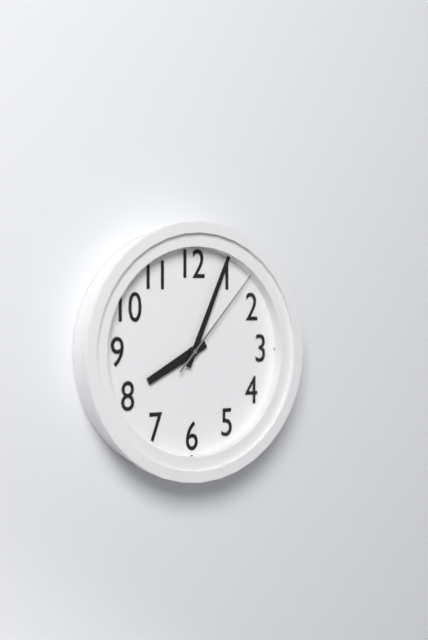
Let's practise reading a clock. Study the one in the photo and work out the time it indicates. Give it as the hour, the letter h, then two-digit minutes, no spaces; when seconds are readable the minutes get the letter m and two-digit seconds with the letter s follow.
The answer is 8h04m07s
